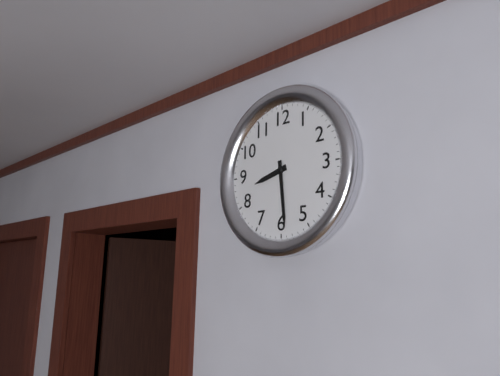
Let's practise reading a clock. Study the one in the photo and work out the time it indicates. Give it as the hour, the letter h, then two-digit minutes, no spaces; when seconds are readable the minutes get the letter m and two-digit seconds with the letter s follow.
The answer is 8h29
